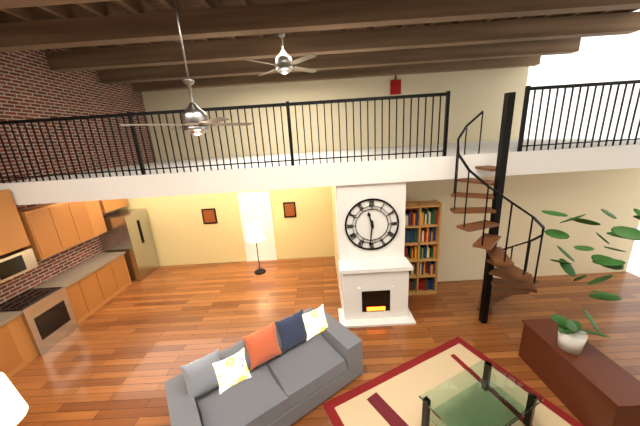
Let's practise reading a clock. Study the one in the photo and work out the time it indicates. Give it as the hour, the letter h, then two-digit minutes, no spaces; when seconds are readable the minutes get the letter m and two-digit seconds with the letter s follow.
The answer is 11h31
